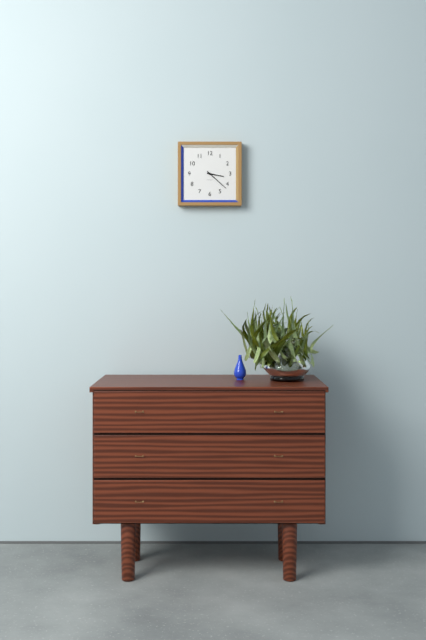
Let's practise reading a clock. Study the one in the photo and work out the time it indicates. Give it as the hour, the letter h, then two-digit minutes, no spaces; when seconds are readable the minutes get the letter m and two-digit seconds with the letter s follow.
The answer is 3h22
